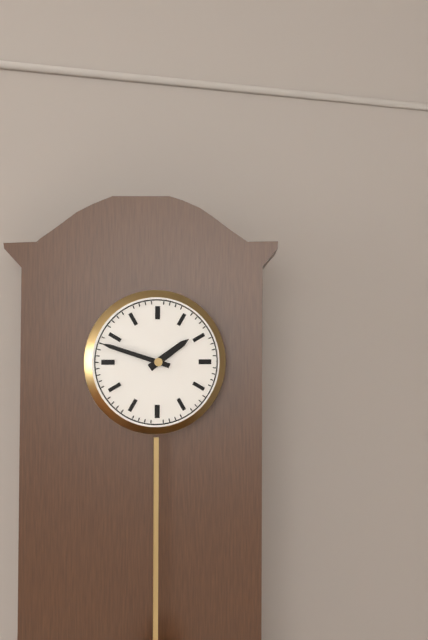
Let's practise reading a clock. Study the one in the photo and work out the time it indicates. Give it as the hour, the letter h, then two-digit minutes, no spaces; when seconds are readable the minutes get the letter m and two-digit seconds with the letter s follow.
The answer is 1h48
